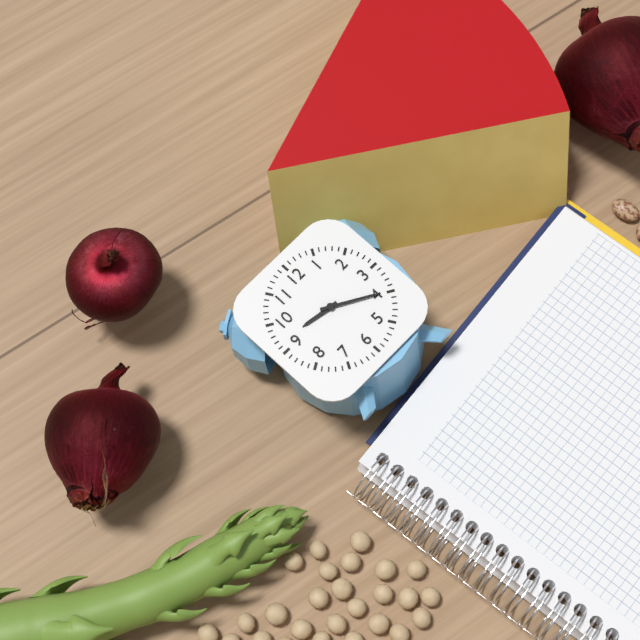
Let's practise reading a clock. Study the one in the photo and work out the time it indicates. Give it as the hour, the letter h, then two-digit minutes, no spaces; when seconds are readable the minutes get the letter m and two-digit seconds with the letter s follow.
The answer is 9h20
